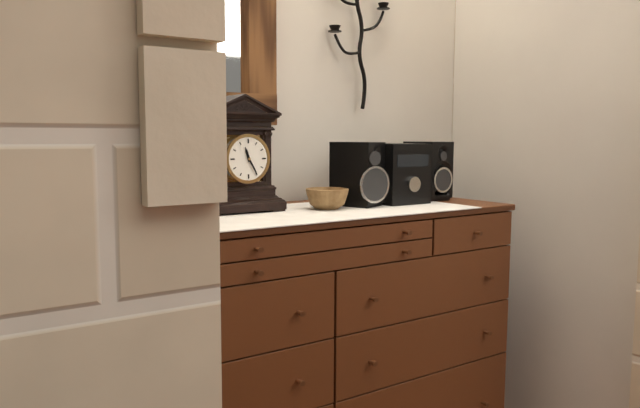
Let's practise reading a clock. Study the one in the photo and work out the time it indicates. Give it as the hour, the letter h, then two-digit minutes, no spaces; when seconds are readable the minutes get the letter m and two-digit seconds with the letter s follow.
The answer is 11h25
